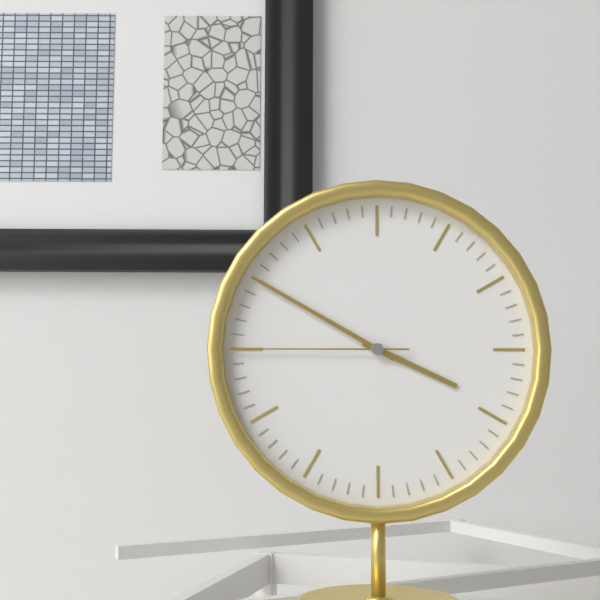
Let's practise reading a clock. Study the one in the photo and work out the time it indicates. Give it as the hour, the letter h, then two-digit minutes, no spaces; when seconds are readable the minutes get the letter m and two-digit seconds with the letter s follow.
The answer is 3h50m45s
